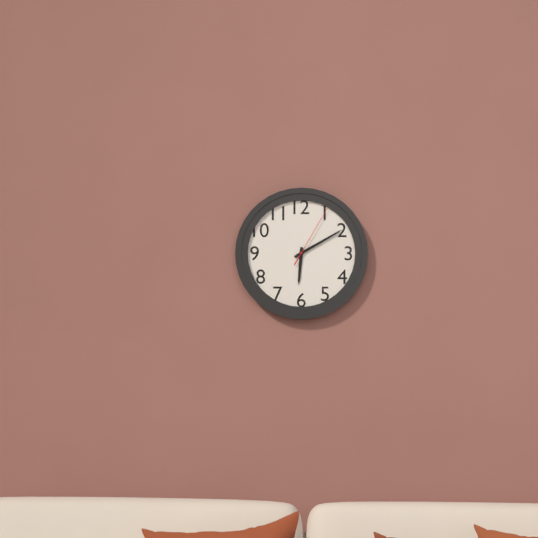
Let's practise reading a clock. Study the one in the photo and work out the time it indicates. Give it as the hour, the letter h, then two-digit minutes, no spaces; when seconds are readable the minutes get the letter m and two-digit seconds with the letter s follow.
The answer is 6h10m05s
